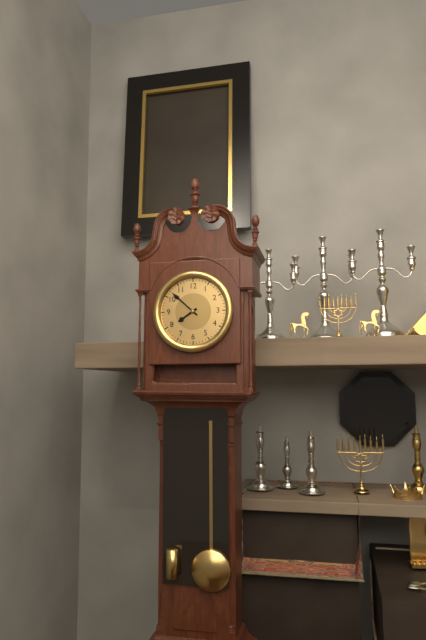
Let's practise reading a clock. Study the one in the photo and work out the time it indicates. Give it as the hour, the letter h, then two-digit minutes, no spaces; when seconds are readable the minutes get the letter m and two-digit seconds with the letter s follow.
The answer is 7h52
